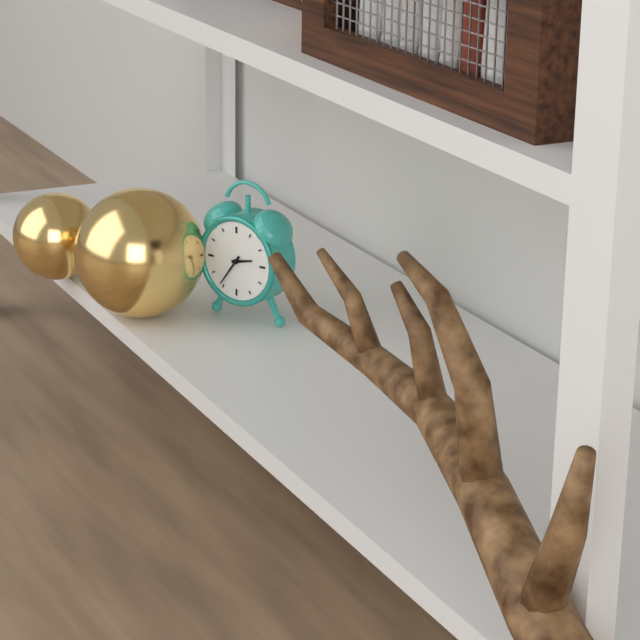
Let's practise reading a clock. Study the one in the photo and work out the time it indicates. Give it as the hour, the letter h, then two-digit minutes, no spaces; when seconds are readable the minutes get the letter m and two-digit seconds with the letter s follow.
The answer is 2h36
